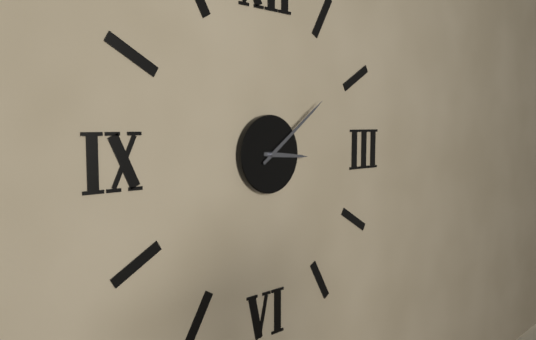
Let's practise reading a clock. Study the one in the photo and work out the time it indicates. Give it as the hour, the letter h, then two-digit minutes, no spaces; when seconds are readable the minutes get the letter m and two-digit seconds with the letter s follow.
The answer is 3h09
